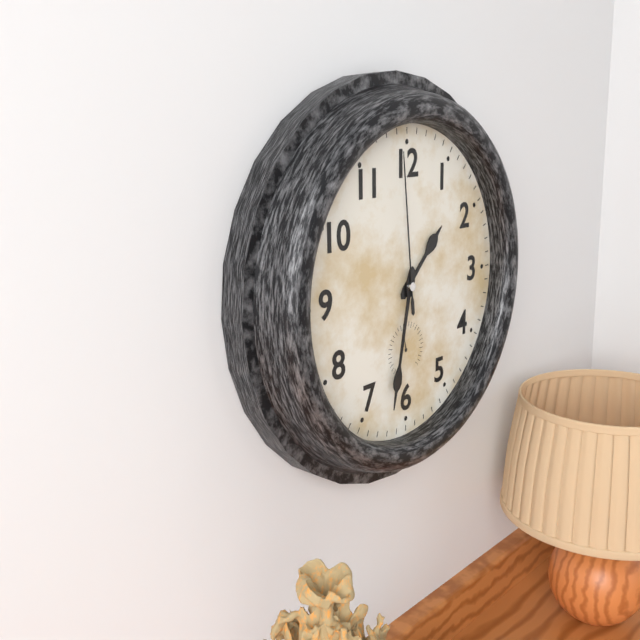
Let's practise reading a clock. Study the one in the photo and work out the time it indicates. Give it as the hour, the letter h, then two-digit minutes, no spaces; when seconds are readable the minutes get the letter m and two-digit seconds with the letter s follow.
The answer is 1h32m59s
